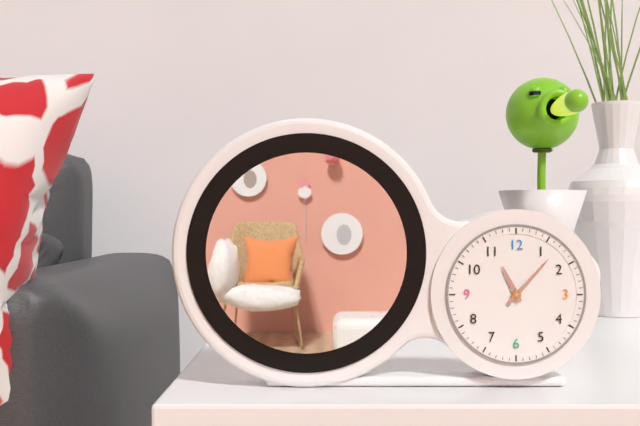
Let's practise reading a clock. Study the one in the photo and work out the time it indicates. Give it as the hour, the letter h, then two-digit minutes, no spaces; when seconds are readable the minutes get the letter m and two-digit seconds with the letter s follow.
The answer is 11h07
